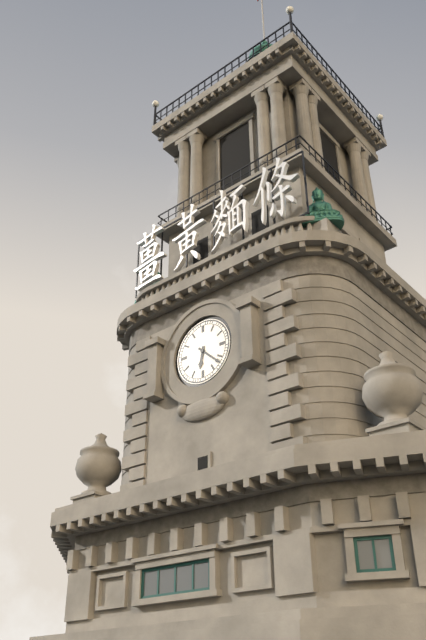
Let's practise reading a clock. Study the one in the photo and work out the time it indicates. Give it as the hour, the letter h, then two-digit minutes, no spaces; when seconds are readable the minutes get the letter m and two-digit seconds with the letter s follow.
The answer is 6h22
